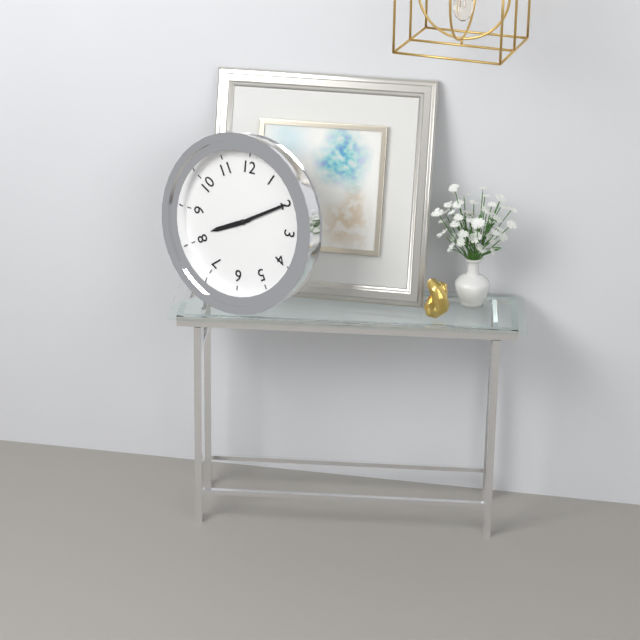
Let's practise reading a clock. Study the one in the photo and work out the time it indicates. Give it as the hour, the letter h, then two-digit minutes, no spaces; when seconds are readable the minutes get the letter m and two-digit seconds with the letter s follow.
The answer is 8h10
